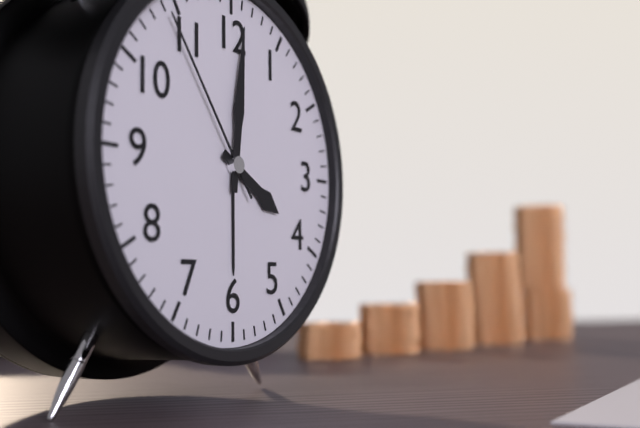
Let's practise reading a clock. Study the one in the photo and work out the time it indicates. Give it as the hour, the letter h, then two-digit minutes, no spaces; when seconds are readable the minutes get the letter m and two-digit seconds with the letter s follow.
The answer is 4h01m54s
